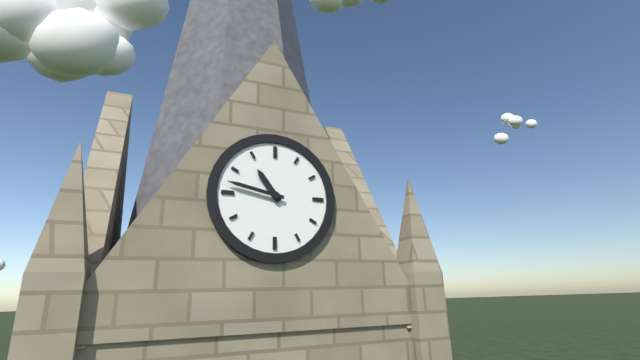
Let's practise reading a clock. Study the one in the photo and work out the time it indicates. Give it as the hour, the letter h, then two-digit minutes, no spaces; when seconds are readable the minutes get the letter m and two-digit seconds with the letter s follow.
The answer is 10h47
